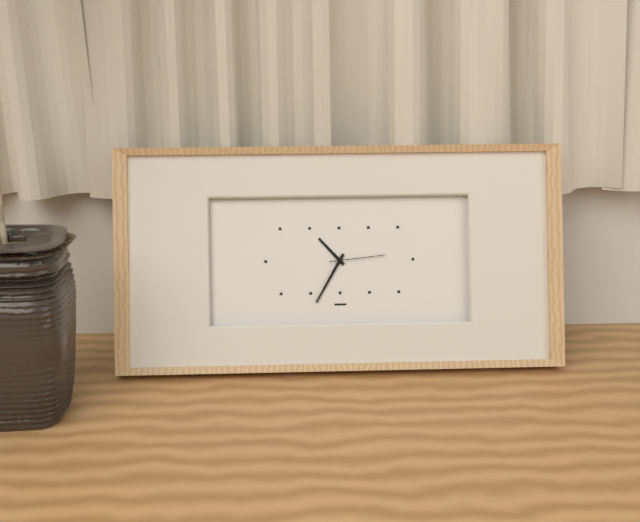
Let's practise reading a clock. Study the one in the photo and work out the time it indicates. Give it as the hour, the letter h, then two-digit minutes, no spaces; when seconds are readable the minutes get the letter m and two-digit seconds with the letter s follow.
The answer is 10h35m14s
